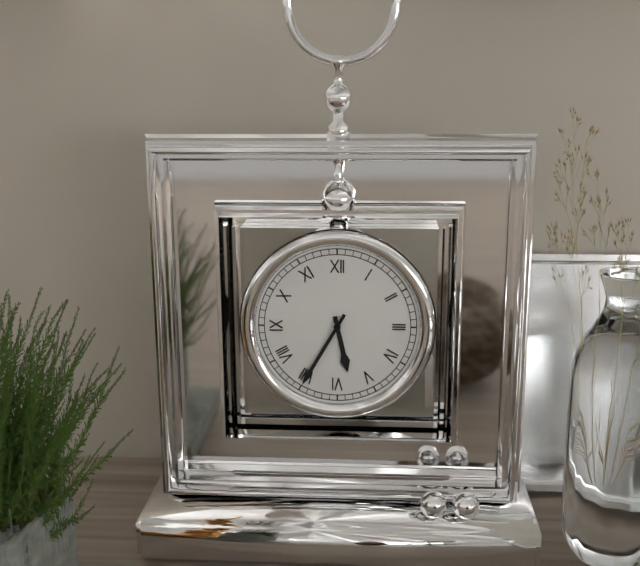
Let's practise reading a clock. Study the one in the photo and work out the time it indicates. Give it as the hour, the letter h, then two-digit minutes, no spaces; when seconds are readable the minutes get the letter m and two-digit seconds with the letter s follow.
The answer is 5h35
